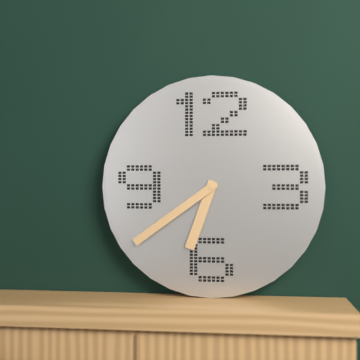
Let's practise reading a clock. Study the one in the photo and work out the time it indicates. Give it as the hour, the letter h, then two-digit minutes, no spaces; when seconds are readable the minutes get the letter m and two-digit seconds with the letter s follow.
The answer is 6h39
